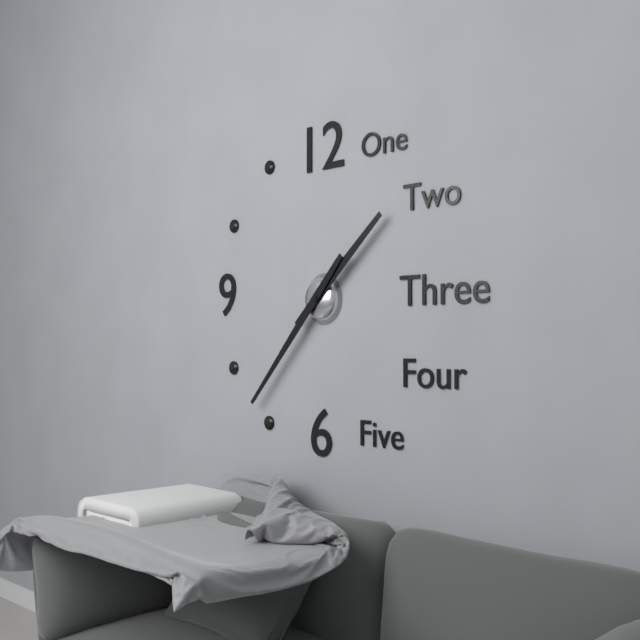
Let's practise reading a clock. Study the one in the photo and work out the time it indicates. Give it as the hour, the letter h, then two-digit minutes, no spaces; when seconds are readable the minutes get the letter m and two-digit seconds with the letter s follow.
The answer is 1h37
